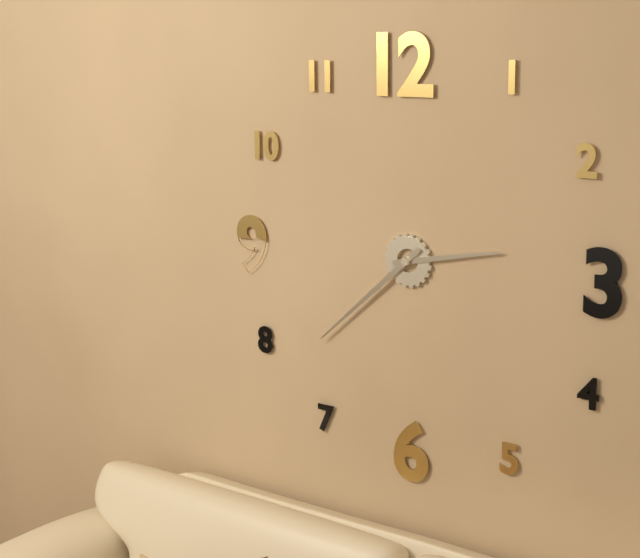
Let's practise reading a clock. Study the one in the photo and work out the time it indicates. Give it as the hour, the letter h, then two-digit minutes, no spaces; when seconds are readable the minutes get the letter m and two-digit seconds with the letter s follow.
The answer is 2h38
